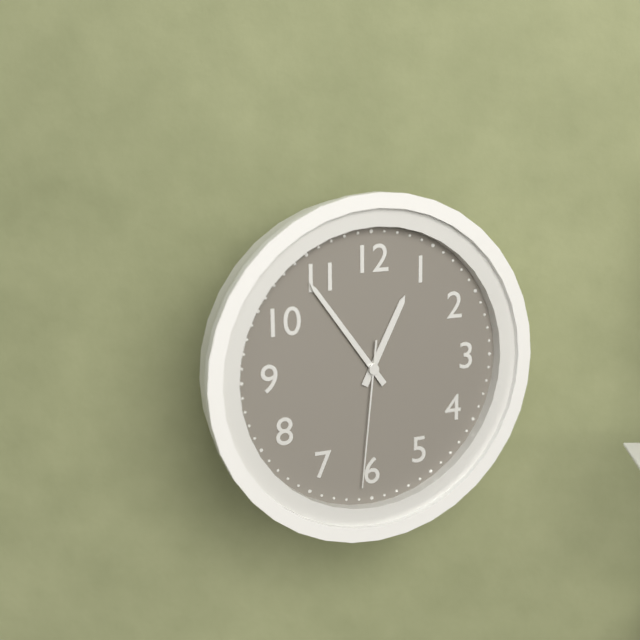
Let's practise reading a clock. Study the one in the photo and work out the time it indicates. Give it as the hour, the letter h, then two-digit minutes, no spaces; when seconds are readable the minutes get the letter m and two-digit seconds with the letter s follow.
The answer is 12h54m31s
